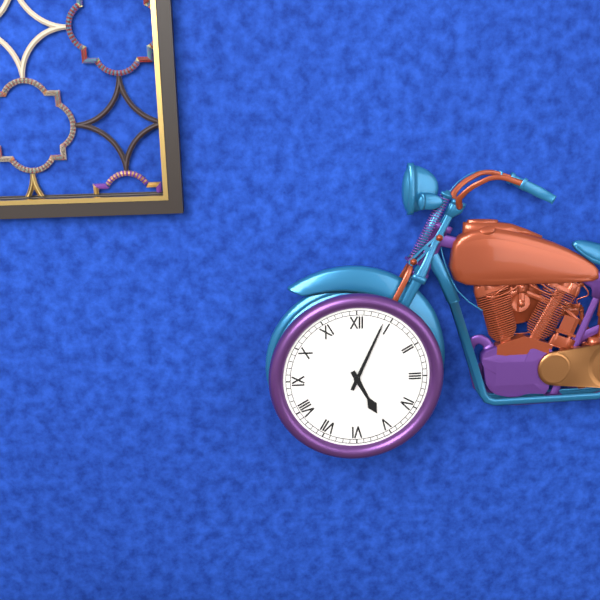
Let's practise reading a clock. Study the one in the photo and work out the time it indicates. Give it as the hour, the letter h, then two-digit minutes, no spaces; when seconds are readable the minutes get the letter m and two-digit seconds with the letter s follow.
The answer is 5h04
